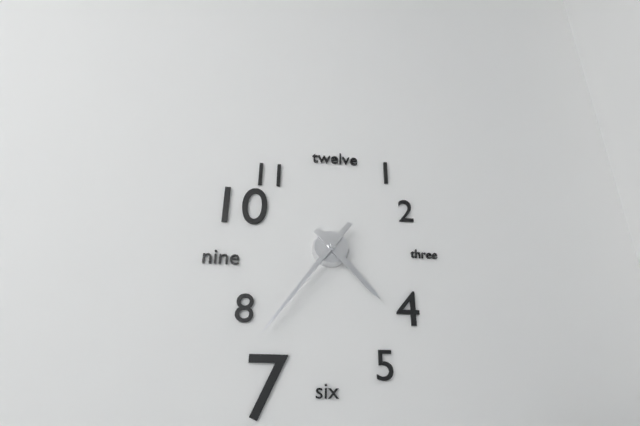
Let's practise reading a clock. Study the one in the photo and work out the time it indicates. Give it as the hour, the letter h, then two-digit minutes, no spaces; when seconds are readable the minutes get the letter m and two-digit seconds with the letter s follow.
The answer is 4h36
